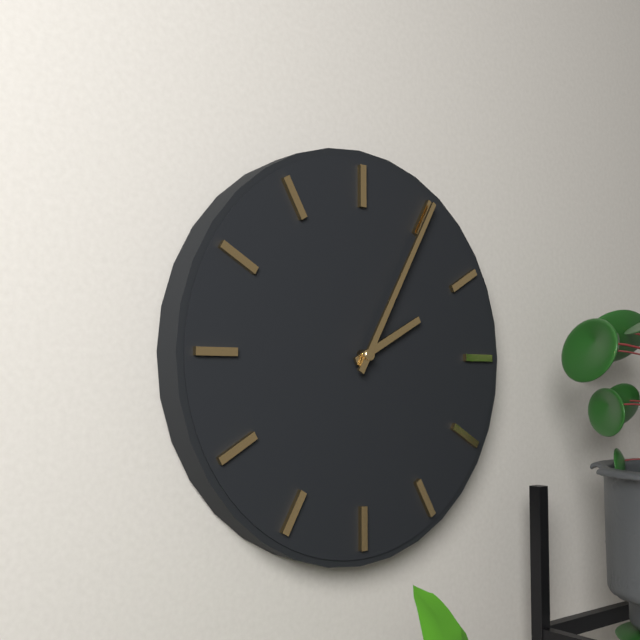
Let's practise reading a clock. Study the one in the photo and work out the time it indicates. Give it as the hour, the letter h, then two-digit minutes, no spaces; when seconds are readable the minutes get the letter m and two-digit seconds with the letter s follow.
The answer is 2h05
